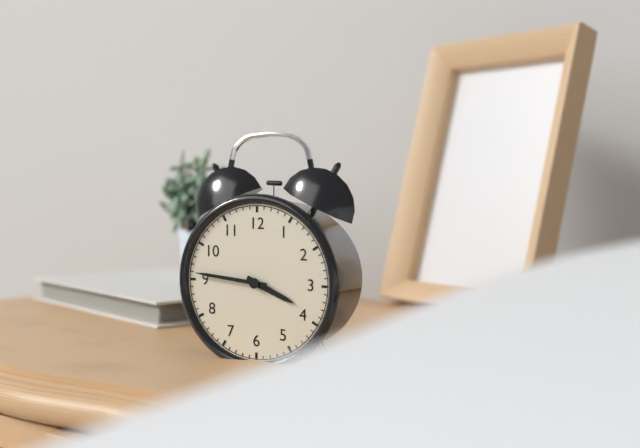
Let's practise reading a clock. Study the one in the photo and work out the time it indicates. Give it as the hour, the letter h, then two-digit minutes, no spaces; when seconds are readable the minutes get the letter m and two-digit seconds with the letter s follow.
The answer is 3h46
